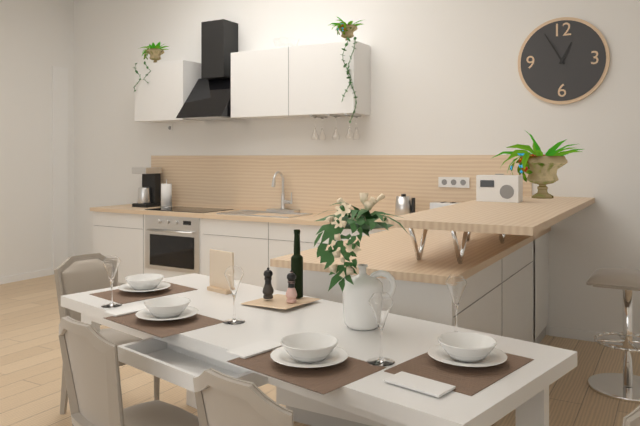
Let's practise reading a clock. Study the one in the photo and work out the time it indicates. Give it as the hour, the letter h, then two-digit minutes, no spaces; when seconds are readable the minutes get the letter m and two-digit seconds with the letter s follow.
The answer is 12h55
